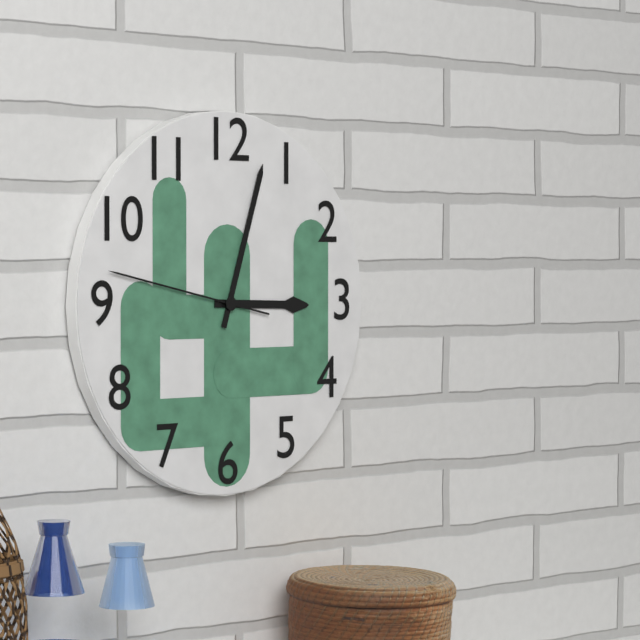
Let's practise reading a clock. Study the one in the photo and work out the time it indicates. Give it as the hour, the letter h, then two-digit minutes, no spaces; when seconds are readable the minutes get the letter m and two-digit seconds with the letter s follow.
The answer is 3h03m47s
